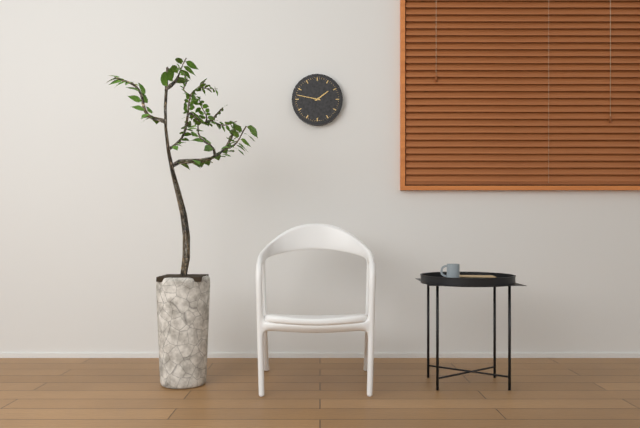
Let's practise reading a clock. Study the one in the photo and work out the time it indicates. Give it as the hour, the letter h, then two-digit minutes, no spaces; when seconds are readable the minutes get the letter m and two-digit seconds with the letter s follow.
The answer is 1h47
